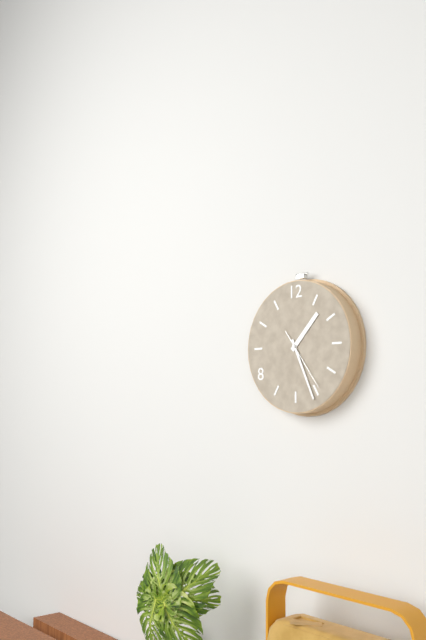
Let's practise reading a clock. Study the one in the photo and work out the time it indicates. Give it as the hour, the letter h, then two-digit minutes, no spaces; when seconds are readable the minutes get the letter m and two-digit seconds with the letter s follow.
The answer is 1h26m24s
